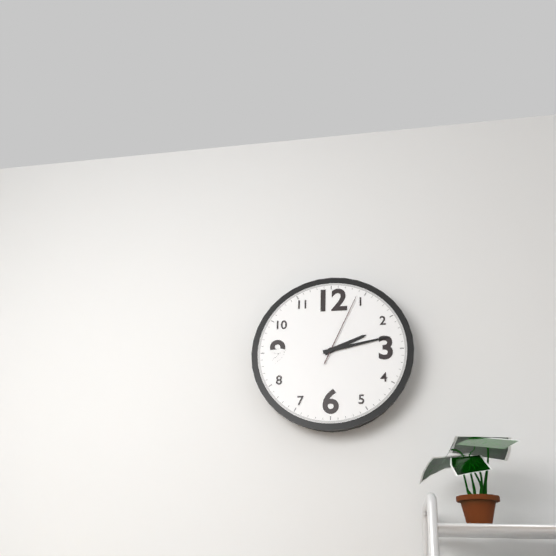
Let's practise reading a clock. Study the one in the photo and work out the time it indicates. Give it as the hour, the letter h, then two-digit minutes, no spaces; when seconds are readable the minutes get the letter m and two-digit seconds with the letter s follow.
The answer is 2h13m04s
